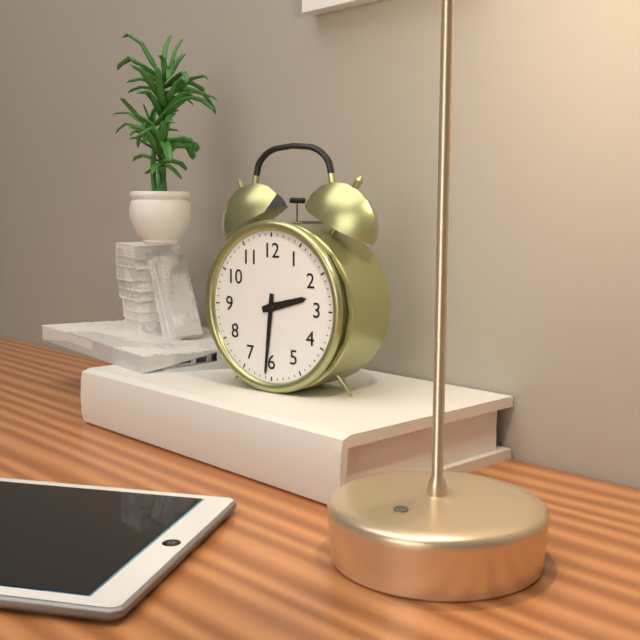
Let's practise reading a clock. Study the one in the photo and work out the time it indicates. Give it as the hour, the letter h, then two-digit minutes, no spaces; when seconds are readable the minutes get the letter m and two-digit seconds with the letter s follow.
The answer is 2h31
